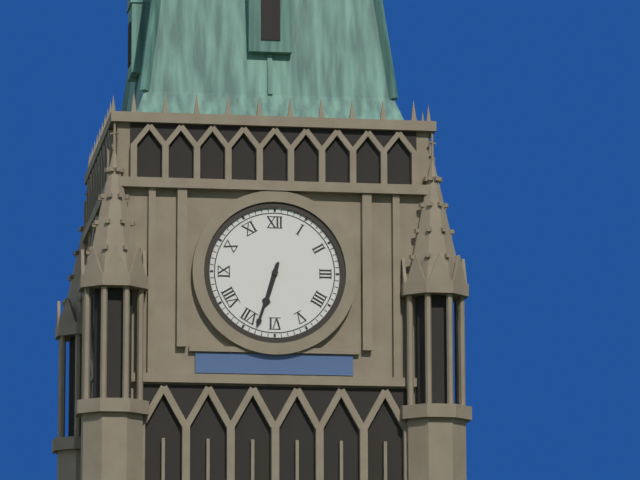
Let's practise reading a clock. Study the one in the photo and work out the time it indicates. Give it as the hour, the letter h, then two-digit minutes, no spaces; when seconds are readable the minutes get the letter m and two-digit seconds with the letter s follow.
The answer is 6h33
